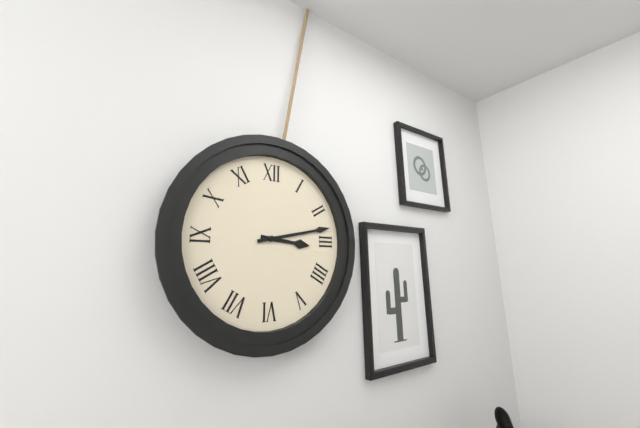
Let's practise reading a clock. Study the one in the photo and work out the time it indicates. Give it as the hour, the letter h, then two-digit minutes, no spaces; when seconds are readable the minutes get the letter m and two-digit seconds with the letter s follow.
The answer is 3h13
